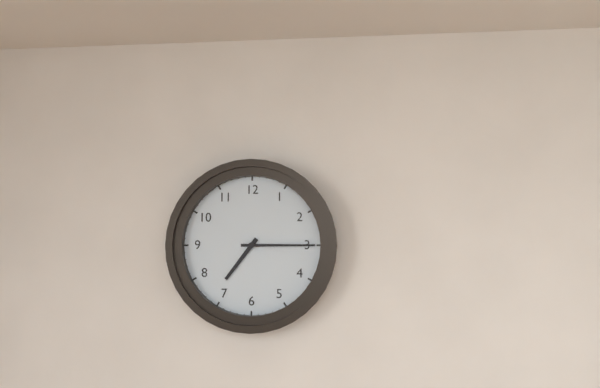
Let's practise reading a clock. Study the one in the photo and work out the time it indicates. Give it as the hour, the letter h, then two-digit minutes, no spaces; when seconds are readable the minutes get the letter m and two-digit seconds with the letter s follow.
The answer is 7h15
